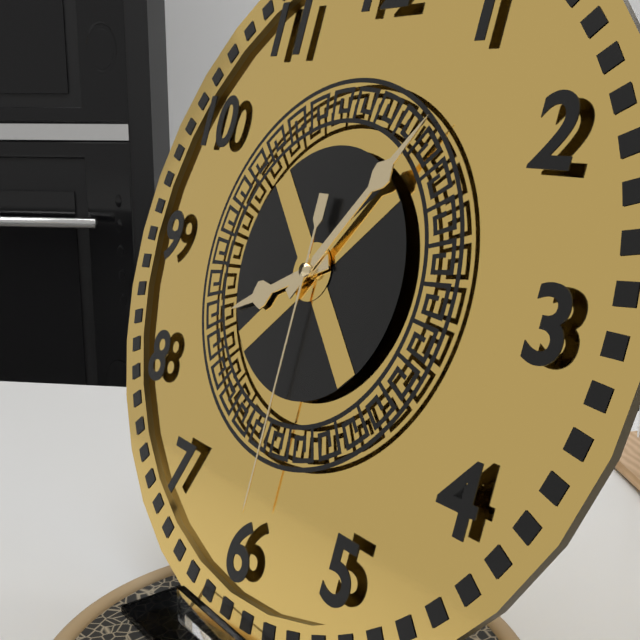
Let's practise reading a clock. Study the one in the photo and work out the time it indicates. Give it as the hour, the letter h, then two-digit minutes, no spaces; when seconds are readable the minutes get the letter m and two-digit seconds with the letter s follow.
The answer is 8h06m30s
